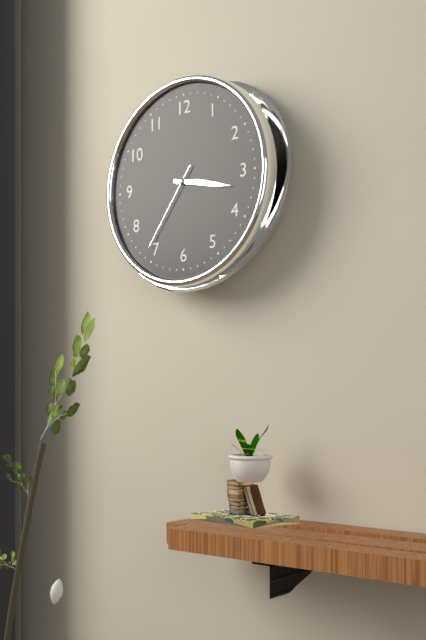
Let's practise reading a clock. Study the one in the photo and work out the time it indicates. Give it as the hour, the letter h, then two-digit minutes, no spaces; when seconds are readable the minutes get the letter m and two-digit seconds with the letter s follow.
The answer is 3h17m36s
